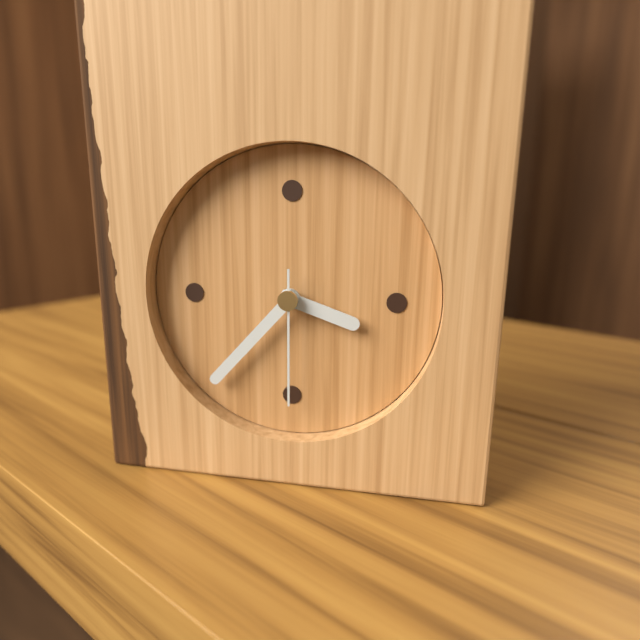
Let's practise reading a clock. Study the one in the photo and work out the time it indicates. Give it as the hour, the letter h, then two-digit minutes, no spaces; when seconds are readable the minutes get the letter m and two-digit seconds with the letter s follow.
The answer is 3h37m30s
